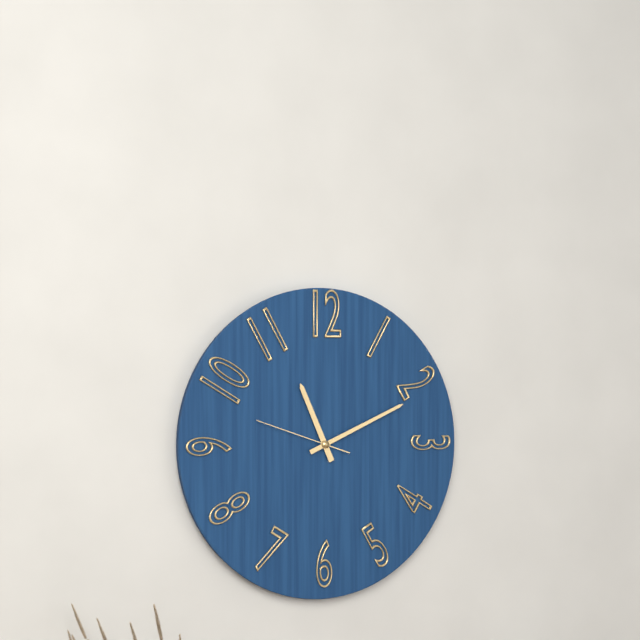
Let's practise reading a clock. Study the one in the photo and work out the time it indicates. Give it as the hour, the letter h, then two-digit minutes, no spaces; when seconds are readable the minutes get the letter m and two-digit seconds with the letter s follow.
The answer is 11h11m48s
